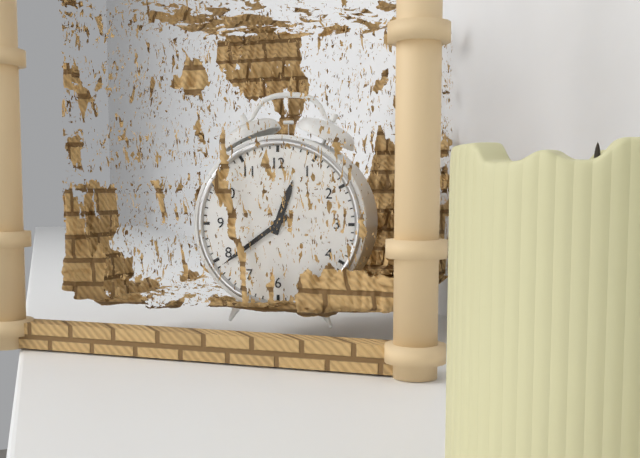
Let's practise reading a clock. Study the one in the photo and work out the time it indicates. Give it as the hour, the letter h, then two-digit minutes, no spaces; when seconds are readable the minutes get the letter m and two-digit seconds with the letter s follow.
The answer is 12h39
